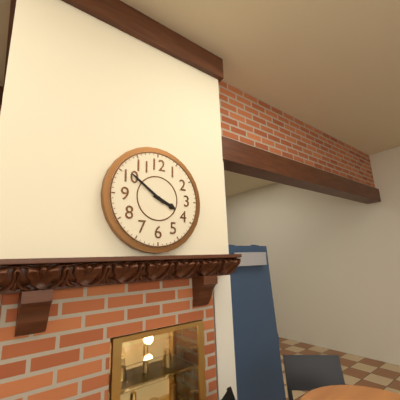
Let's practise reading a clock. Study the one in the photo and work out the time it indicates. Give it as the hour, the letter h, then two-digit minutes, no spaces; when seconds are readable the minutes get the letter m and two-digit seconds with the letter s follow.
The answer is 3h51
